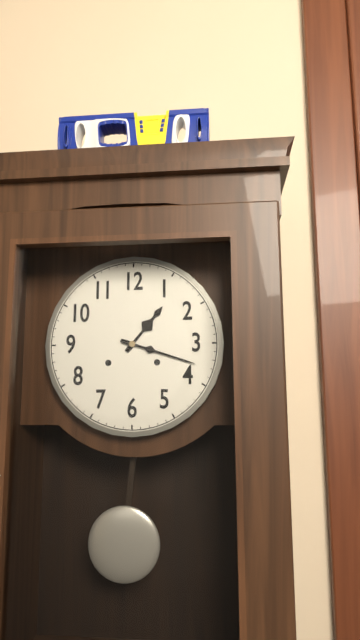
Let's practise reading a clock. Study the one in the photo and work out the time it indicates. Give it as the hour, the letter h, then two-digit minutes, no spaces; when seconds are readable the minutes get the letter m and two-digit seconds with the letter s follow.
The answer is 1h18
